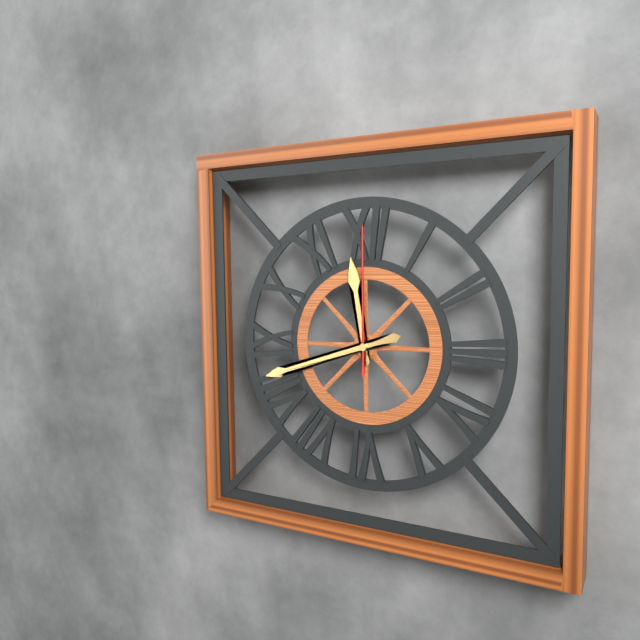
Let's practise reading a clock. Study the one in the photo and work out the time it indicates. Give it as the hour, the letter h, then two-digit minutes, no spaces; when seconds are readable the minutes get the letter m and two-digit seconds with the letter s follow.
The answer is 11h42m00s
